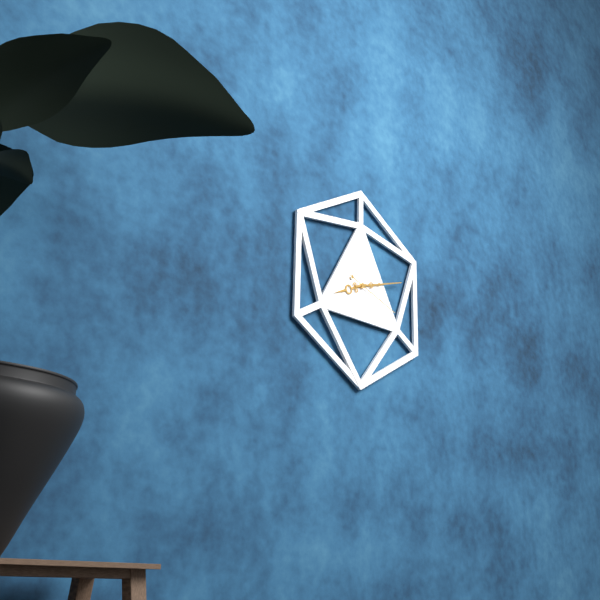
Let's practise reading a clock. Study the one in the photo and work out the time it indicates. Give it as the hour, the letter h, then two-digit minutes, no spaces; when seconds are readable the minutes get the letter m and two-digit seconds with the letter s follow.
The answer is 8h12m18s
